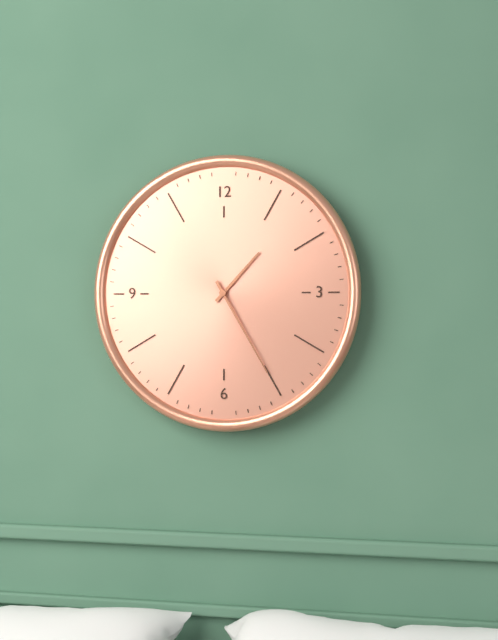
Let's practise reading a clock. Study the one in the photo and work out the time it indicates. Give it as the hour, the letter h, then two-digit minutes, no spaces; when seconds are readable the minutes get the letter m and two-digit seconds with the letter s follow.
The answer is 1h25
